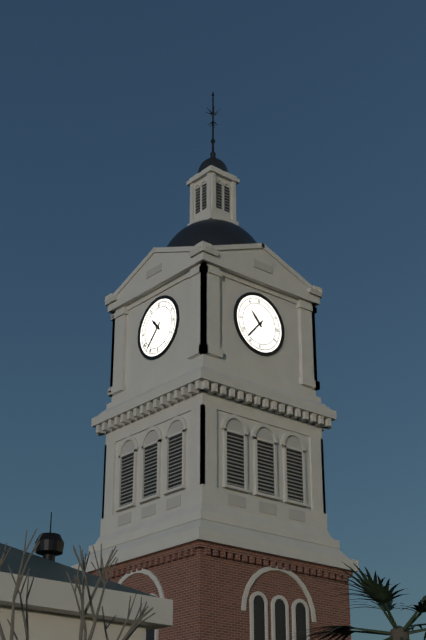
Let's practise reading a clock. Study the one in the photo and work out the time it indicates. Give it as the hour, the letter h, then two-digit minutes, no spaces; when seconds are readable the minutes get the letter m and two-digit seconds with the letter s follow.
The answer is 10h37
